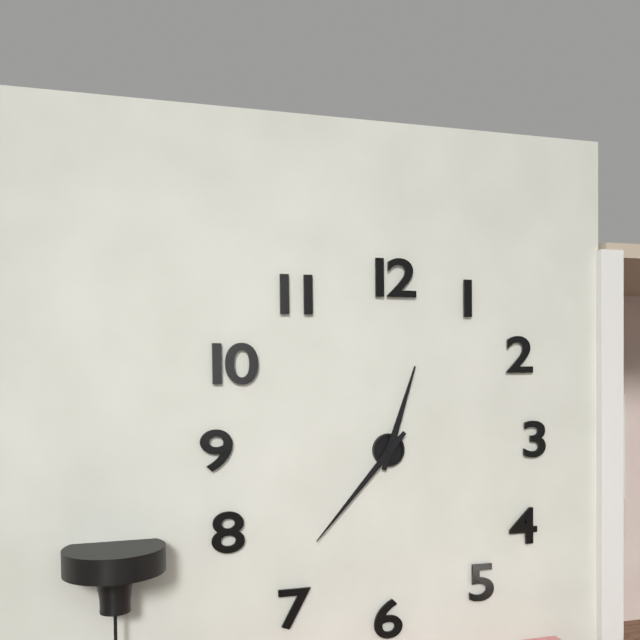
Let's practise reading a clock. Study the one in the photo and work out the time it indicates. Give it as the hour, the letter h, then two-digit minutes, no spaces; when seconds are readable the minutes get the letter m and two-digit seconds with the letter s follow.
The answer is 12h37
